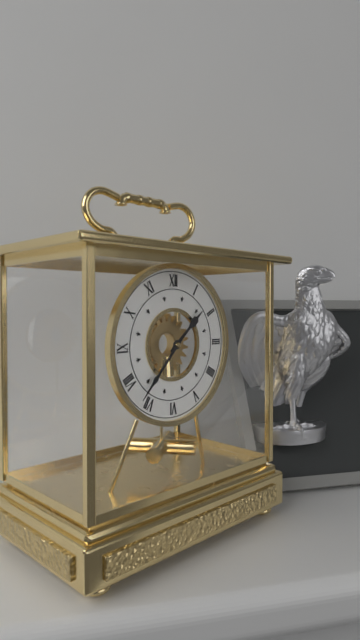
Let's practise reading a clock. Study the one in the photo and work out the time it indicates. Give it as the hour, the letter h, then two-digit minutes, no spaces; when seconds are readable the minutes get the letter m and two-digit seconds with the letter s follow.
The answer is 1h37
